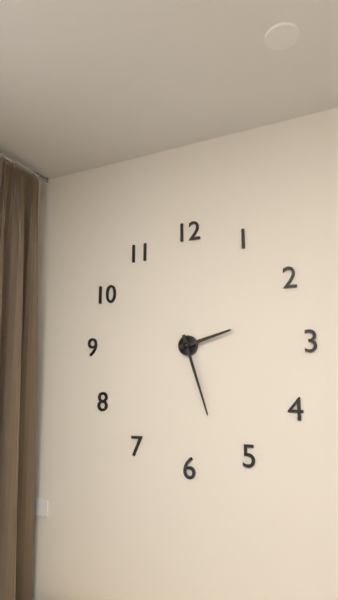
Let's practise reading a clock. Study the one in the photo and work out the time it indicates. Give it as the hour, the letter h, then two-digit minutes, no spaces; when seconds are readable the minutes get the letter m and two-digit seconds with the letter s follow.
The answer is 2h27
